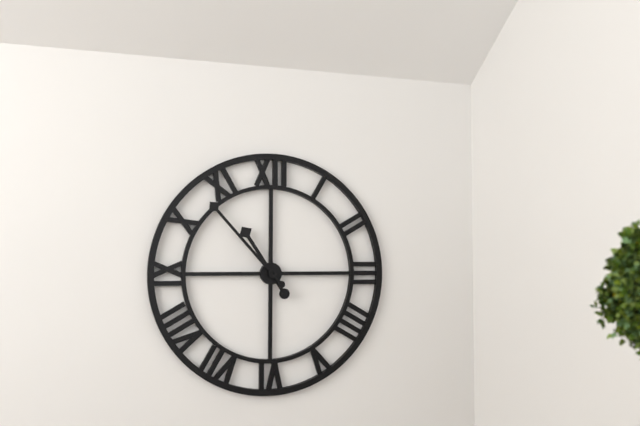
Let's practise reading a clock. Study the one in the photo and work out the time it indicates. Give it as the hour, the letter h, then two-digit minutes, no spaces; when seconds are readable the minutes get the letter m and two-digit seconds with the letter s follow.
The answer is 10h53
